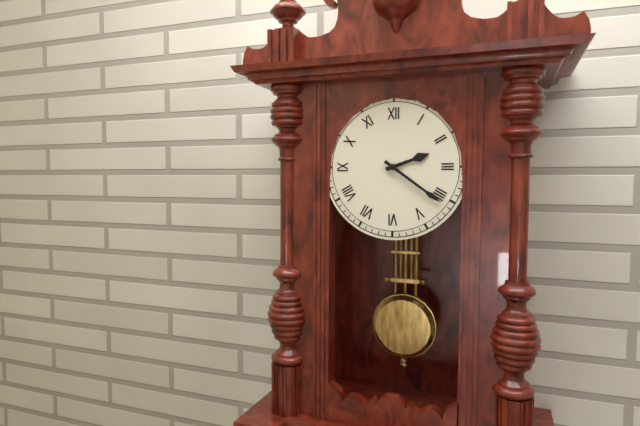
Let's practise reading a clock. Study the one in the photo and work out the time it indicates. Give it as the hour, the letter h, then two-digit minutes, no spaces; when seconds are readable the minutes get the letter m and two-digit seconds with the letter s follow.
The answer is 2h21
